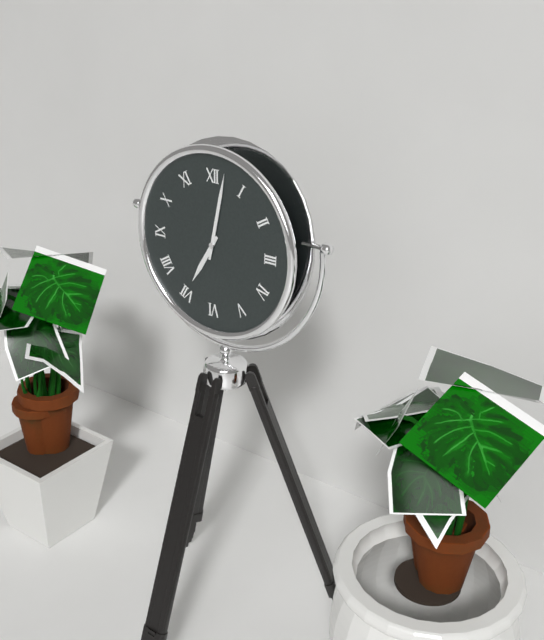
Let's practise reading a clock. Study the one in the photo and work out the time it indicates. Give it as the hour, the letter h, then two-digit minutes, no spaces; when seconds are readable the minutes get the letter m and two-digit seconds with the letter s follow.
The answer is 7h02
